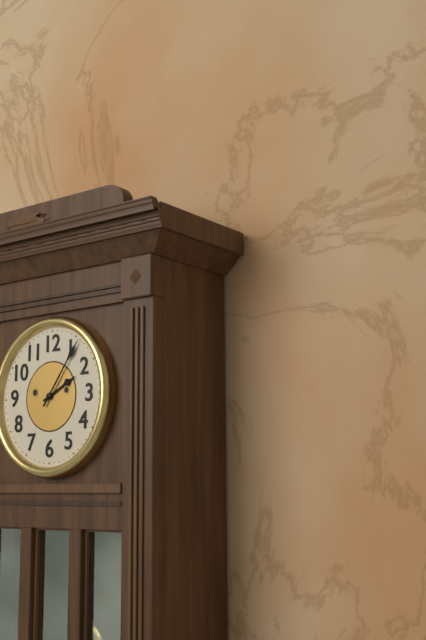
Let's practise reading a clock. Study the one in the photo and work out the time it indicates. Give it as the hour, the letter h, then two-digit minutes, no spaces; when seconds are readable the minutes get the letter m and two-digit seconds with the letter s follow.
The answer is 2h06
